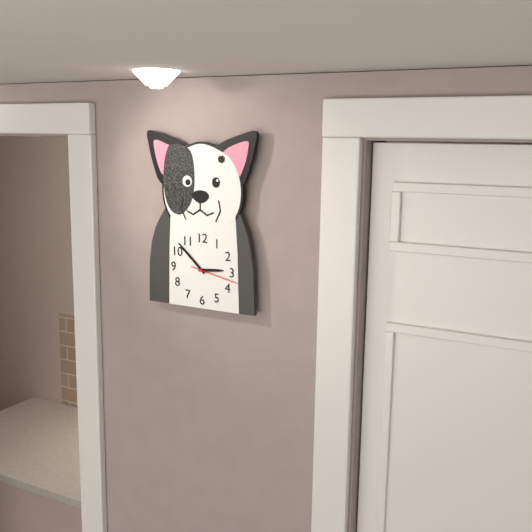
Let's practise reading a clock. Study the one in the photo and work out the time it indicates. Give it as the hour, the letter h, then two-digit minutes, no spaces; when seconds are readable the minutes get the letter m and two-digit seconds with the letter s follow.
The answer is 2h52
